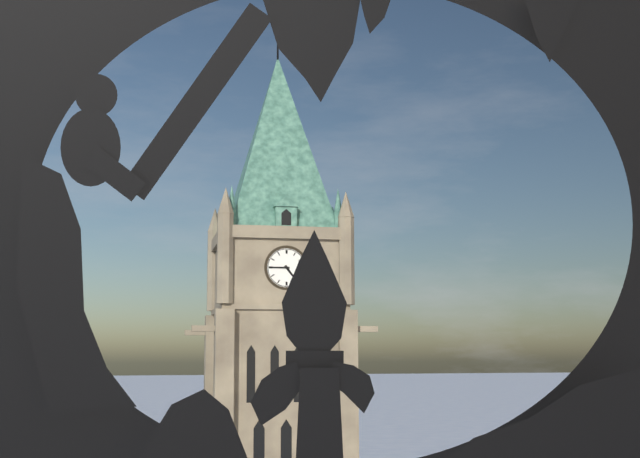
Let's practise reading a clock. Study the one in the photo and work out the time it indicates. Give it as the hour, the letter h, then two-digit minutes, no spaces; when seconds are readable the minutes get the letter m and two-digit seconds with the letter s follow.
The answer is 4h45
